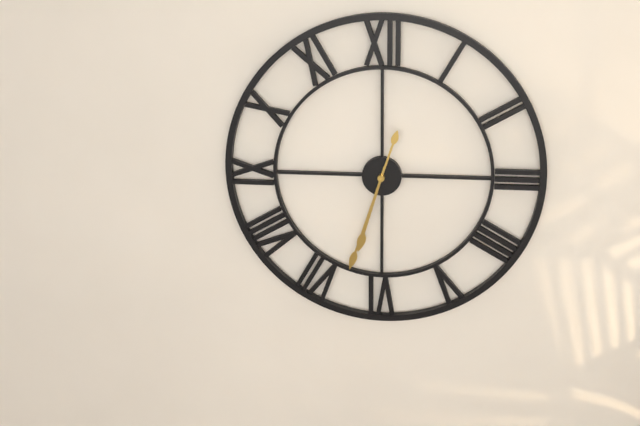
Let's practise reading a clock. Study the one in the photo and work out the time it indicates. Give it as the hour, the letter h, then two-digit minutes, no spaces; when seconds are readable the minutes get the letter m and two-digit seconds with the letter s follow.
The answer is 6h33
